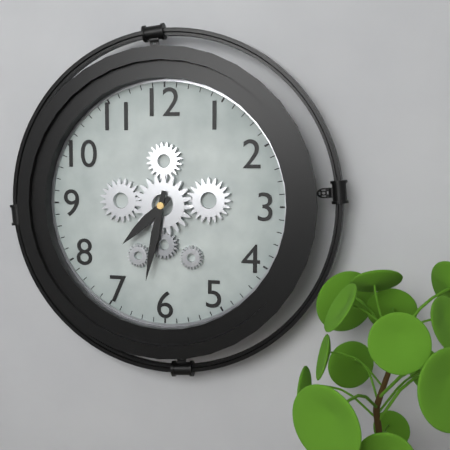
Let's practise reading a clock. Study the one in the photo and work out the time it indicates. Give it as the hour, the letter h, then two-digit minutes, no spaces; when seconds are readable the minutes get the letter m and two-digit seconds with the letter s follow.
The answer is 7h32
